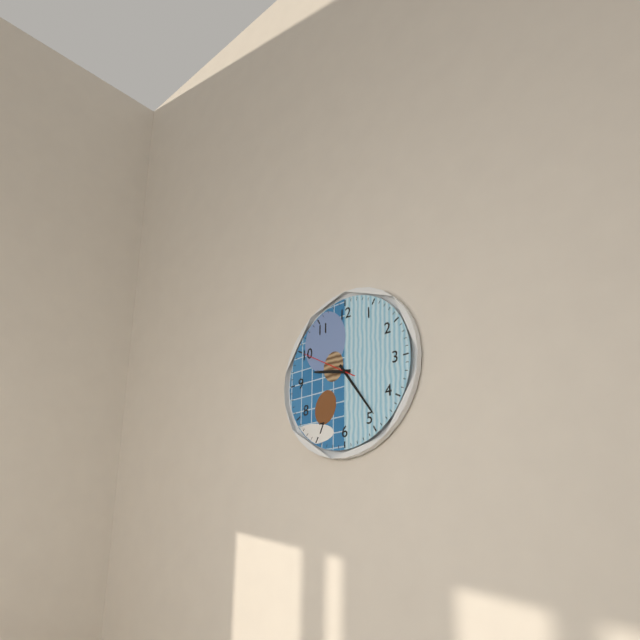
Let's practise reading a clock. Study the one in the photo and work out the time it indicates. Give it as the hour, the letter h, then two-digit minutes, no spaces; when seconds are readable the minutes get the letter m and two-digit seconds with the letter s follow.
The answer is 9h24m50s
